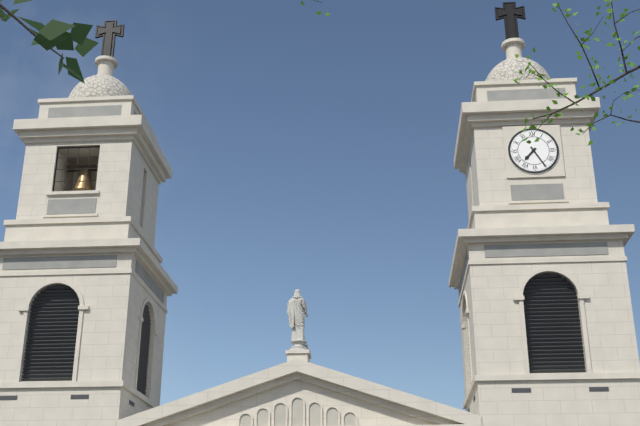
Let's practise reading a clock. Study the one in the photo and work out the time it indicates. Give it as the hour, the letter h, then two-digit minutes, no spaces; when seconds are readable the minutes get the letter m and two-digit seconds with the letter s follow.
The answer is 7h25
